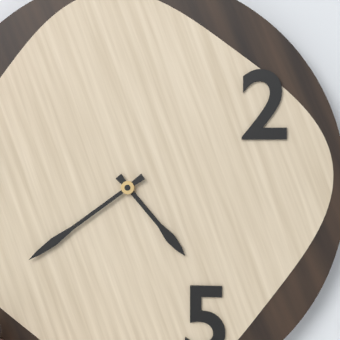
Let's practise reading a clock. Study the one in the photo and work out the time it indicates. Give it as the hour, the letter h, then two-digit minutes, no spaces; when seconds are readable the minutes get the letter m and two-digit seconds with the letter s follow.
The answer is 4h39
